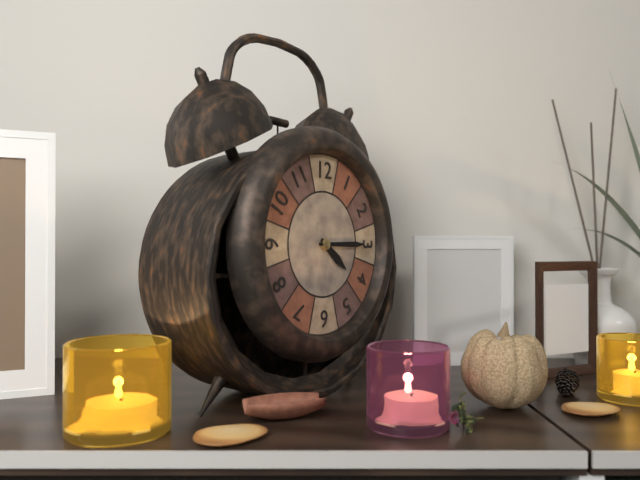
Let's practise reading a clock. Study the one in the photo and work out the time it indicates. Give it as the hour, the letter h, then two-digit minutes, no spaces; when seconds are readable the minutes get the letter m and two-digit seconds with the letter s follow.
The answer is 4h15
